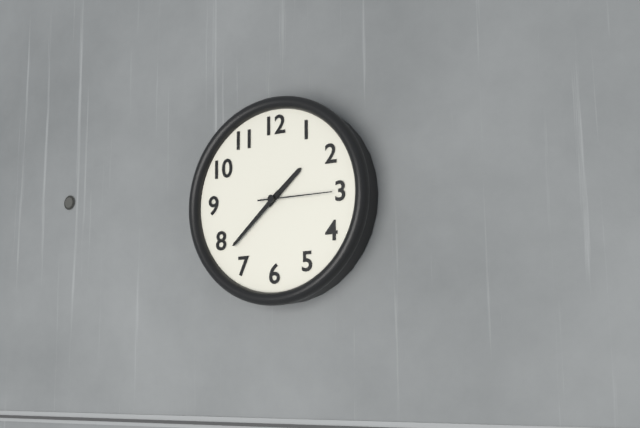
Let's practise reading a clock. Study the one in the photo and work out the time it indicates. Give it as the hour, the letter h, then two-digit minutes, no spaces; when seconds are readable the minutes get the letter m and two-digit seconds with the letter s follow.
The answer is 1h38m15s
